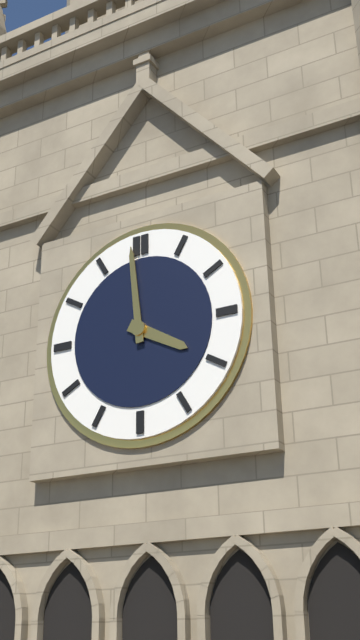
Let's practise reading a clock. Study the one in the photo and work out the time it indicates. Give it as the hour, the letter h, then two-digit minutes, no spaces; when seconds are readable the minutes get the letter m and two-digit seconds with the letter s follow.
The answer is 3h59
